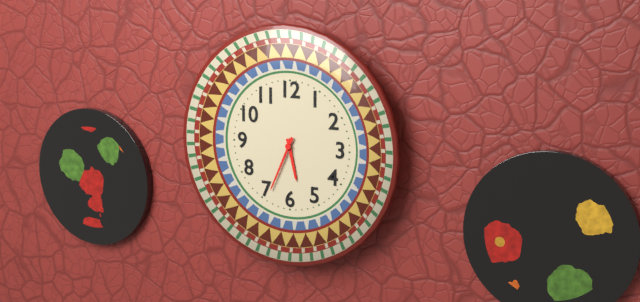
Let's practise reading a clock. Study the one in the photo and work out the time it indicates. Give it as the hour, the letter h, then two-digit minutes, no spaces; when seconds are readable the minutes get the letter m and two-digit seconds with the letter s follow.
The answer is 5h34
